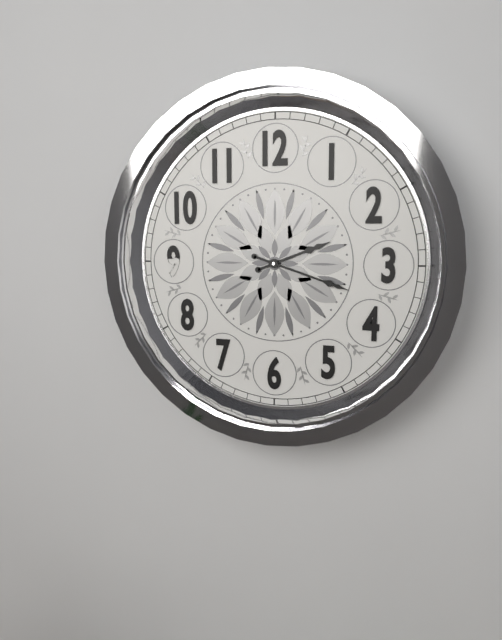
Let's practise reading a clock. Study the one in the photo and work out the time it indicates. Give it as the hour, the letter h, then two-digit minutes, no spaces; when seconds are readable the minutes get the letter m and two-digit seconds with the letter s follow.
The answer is 2h18
